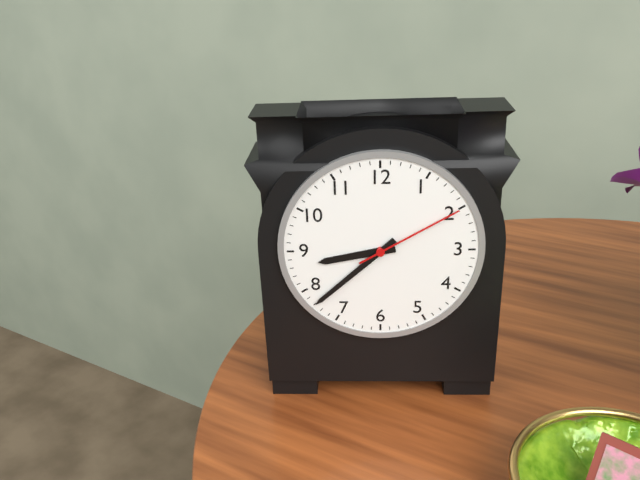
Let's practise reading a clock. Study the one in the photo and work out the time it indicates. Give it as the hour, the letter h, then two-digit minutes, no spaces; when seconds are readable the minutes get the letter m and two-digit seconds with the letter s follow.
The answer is 8h38m10s
